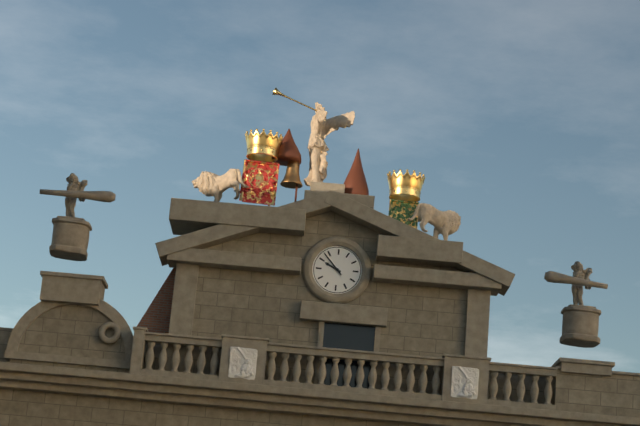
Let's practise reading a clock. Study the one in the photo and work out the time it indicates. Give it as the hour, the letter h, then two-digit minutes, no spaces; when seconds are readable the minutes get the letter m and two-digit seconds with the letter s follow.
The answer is 9h53
